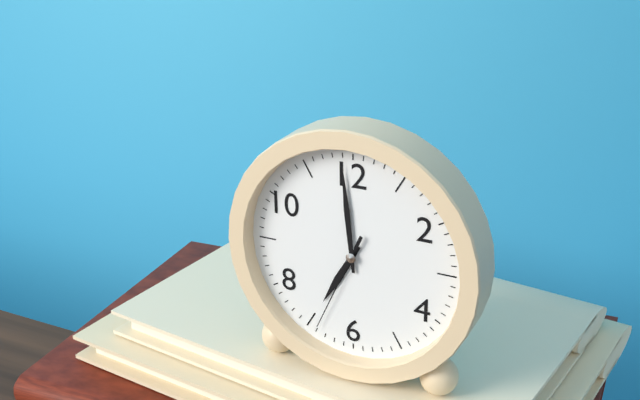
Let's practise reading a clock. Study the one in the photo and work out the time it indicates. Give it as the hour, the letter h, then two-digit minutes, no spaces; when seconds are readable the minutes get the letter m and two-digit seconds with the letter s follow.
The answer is 6h59m34s
